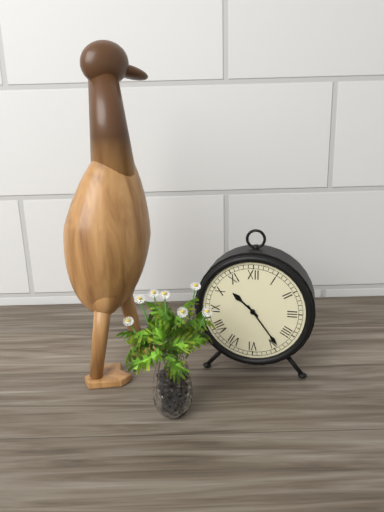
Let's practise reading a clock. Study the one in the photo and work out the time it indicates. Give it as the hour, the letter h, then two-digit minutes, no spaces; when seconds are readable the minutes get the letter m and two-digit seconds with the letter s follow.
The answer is 10h24
